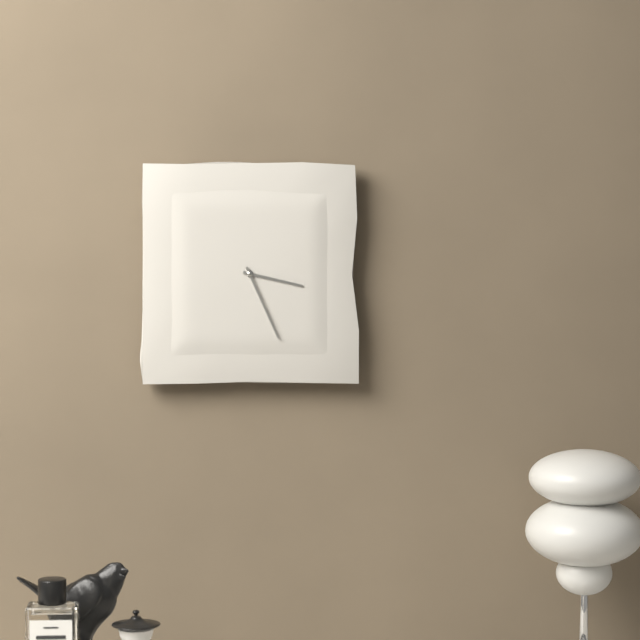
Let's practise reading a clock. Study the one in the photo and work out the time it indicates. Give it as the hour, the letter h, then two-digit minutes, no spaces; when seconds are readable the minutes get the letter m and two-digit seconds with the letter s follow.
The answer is 3h26
